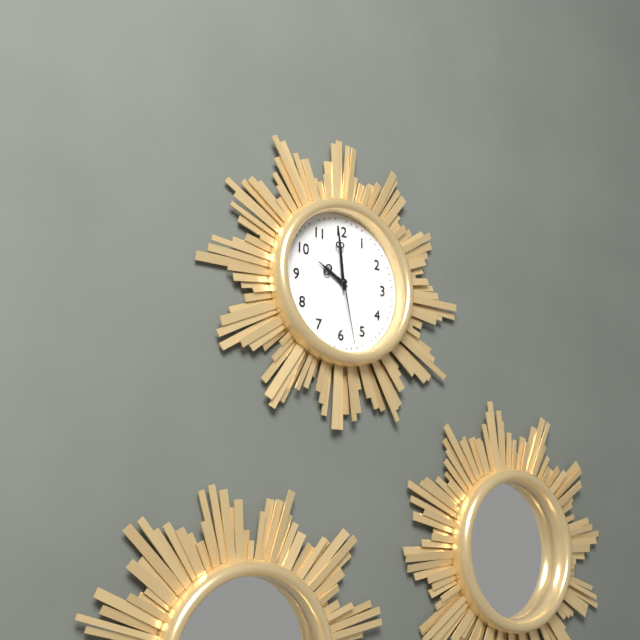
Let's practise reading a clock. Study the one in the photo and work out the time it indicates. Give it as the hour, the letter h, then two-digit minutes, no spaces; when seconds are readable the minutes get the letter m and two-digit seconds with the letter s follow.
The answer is 9h59m28s
